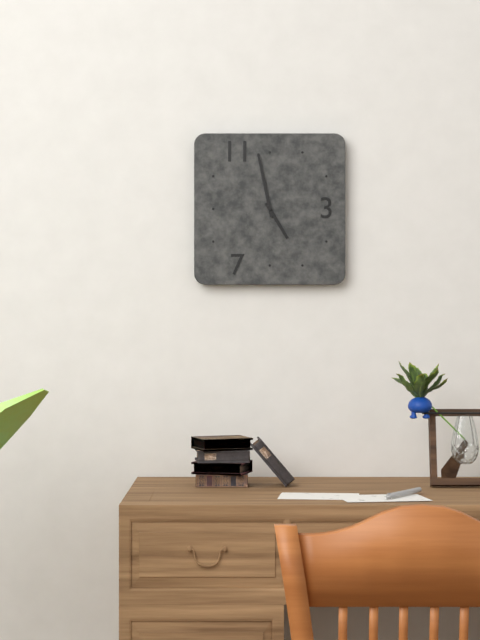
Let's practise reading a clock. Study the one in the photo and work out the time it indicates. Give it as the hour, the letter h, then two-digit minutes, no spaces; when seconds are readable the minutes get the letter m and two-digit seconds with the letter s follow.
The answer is 4h58
